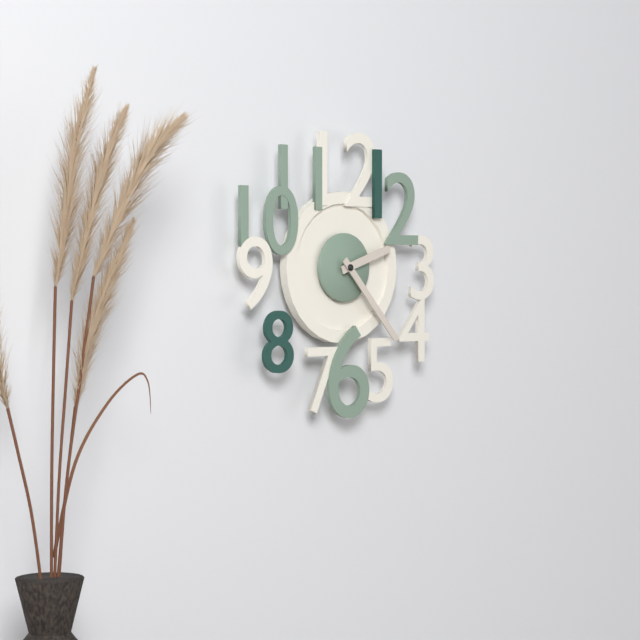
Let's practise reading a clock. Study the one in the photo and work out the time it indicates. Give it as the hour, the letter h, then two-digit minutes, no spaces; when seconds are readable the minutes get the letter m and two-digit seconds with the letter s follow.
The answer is 2h23
